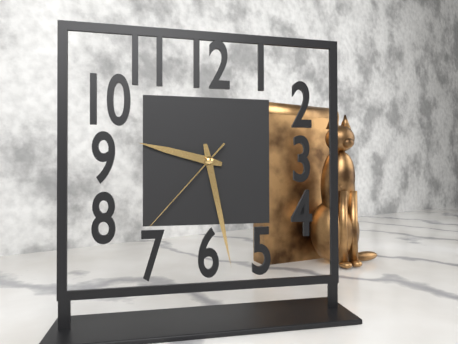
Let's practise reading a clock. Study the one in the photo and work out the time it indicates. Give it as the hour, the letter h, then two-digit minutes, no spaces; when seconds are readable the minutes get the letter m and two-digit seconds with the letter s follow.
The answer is 9h28m37s
